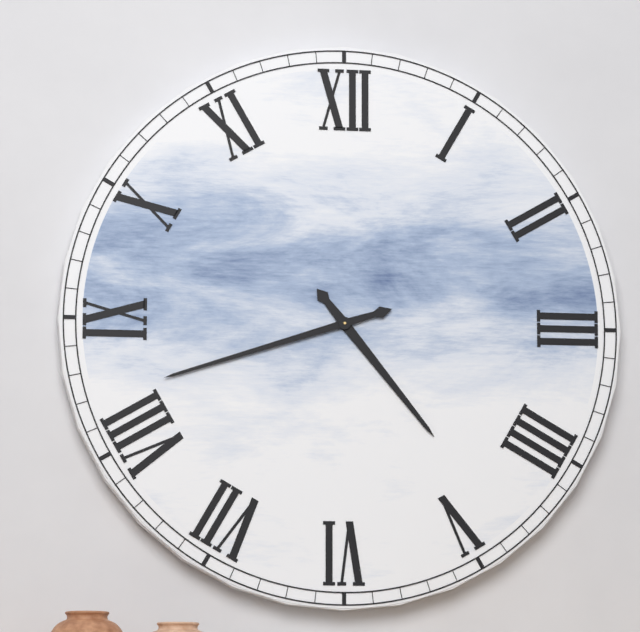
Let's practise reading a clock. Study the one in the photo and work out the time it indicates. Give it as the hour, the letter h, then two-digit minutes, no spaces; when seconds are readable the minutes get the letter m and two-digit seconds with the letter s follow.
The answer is 4h42
